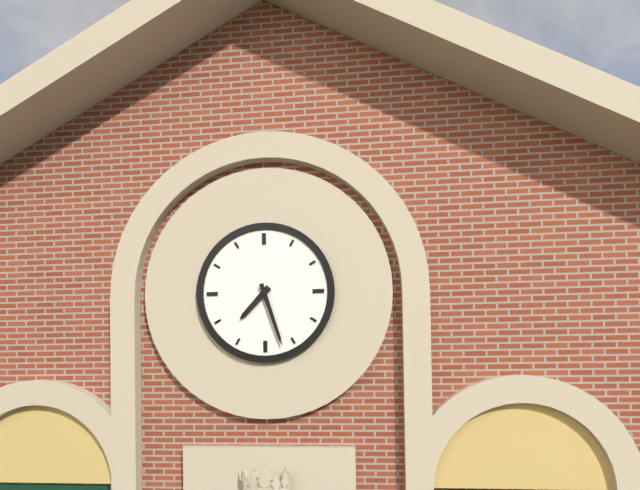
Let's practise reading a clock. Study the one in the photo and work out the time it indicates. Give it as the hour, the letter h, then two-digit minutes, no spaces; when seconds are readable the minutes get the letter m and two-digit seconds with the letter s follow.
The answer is 7h27
